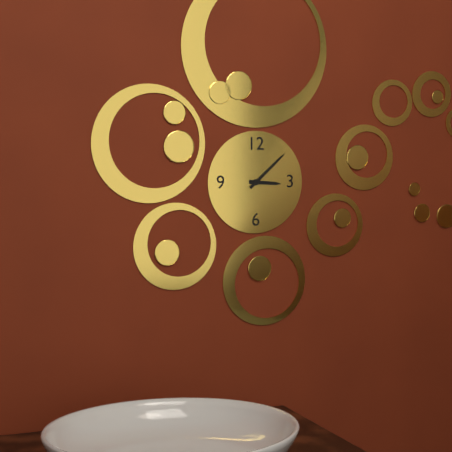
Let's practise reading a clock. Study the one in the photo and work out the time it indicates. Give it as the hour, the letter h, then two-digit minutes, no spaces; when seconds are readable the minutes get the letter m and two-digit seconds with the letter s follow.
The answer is 3h08
